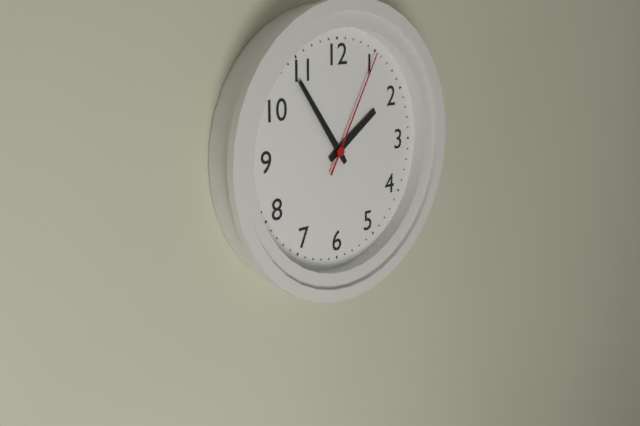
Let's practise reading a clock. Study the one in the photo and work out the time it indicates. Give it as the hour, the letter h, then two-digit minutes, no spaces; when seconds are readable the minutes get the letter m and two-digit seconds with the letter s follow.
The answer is 1h54m05s
